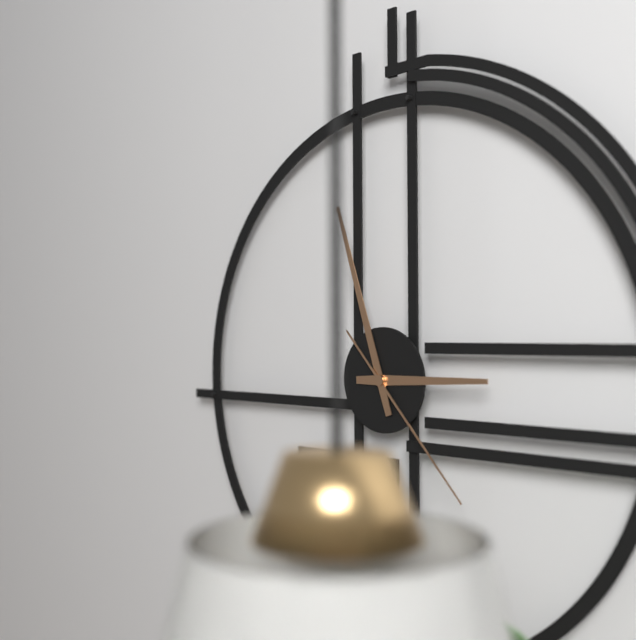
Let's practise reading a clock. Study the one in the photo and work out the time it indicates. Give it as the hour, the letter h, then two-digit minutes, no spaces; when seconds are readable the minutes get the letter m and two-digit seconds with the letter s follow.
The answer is 2h57m23s
